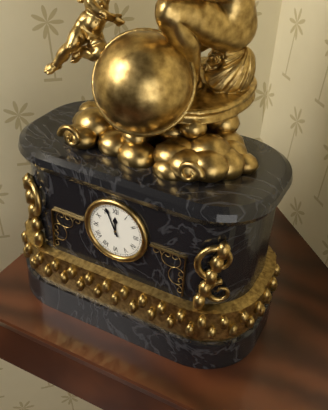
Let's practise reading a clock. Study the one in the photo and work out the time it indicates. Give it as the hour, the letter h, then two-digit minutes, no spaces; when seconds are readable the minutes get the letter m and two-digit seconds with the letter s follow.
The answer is 11h56
